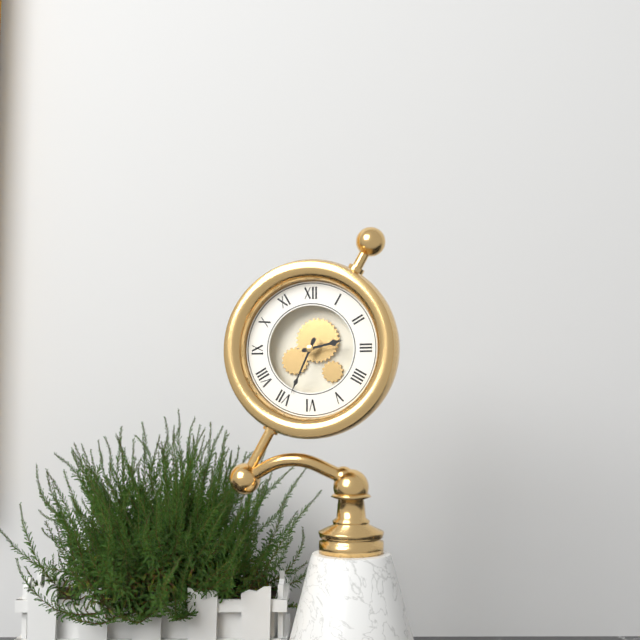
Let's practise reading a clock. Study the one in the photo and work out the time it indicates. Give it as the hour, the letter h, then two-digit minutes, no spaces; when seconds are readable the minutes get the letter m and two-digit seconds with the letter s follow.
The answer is 2h34
